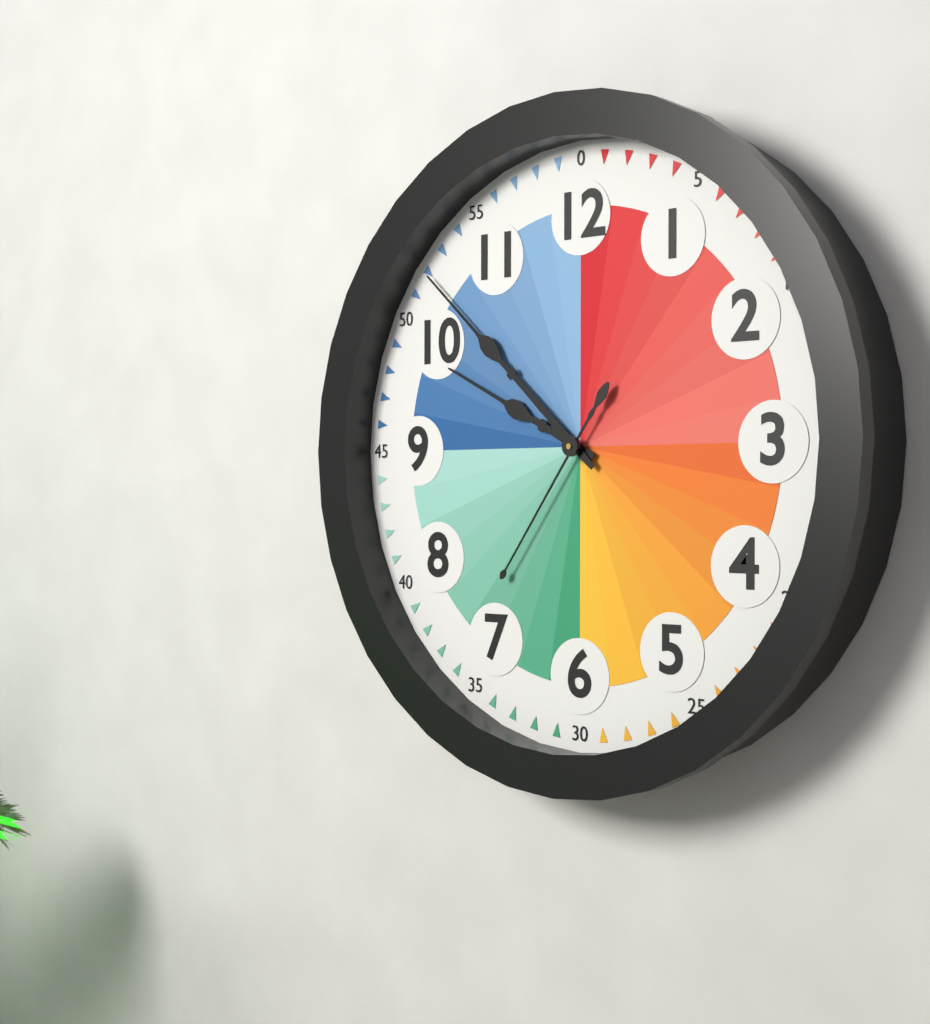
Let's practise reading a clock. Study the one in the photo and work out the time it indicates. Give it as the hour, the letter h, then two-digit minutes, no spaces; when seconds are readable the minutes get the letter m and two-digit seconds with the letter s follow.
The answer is 9h52m36s
